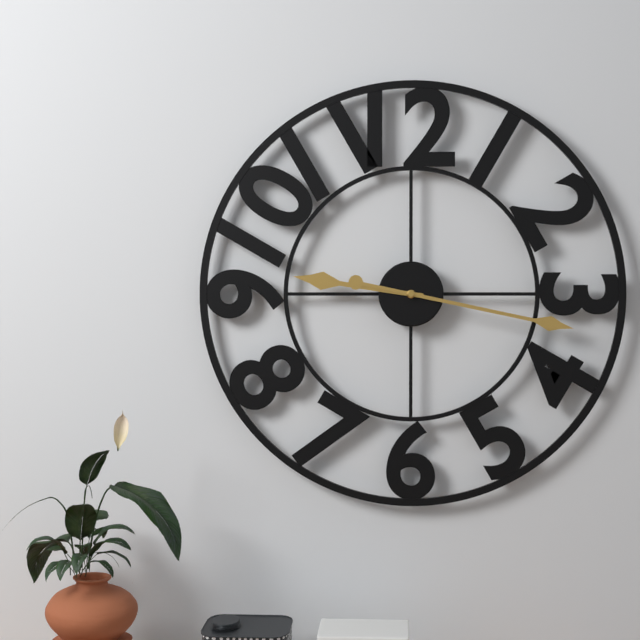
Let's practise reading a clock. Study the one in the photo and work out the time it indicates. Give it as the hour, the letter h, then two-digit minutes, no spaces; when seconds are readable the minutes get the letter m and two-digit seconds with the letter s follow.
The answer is 9h17
